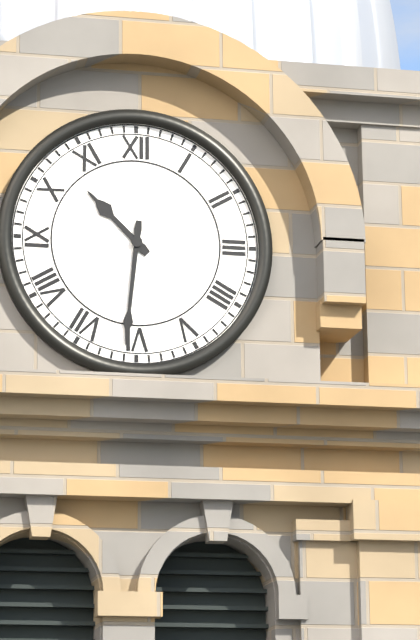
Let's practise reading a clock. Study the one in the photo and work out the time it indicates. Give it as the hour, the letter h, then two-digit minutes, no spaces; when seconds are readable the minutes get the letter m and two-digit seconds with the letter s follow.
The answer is 10h31
